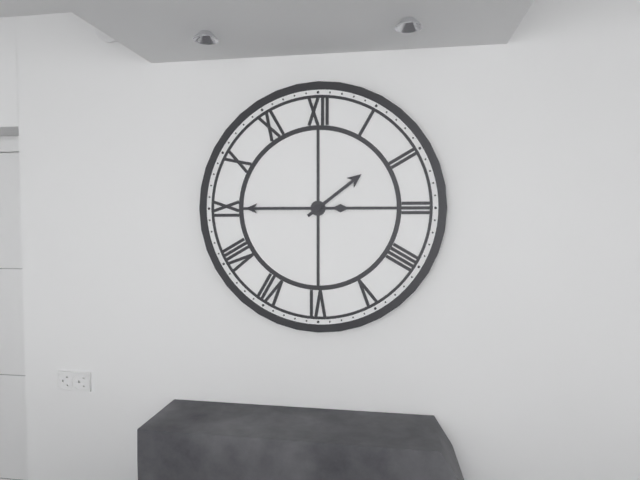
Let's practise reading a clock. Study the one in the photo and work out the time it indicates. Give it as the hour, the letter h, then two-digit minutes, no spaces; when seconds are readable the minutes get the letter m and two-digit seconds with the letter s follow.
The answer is 1h45
